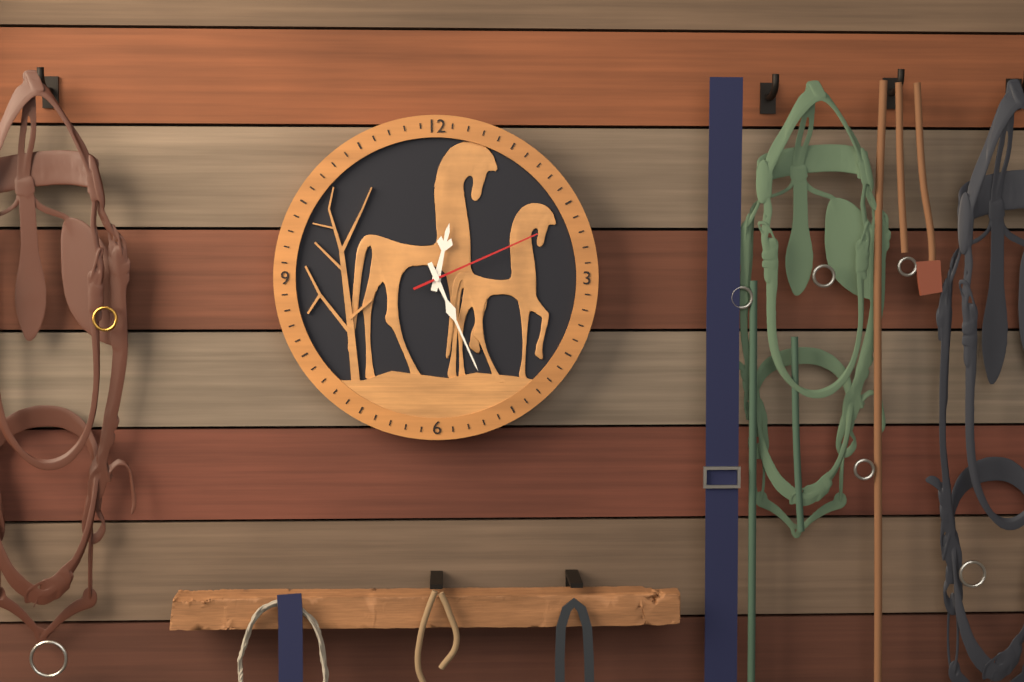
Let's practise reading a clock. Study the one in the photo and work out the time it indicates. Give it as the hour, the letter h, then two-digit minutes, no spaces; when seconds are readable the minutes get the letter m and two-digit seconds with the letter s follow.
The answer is 12h26m11s
